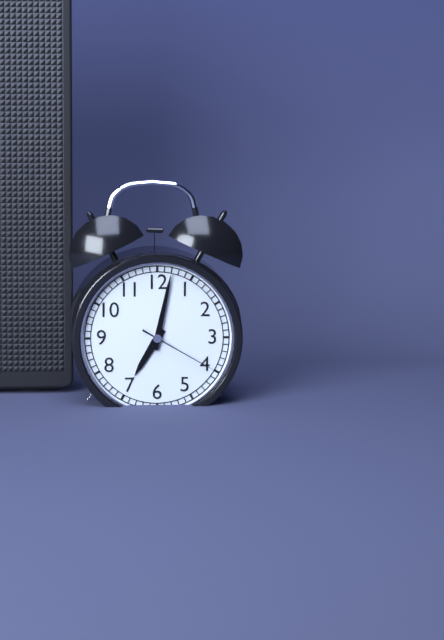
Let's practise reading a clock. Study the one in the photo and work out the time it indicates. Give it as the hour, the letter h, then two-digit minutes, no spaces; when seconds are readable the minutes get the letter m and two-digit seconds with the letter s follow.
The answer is 7h02m20s
